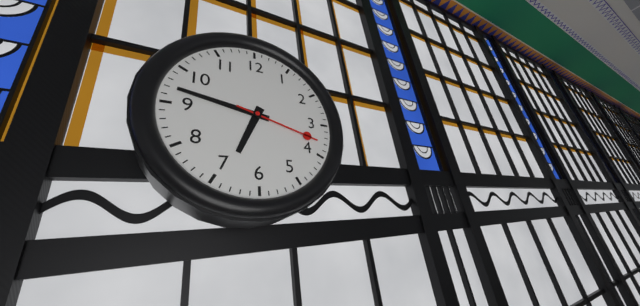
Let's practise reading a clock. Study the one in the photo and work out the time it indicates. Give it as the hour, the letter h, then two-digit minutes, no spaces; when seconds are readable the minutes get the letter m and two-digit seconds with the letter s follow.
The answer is 6h47m18s
